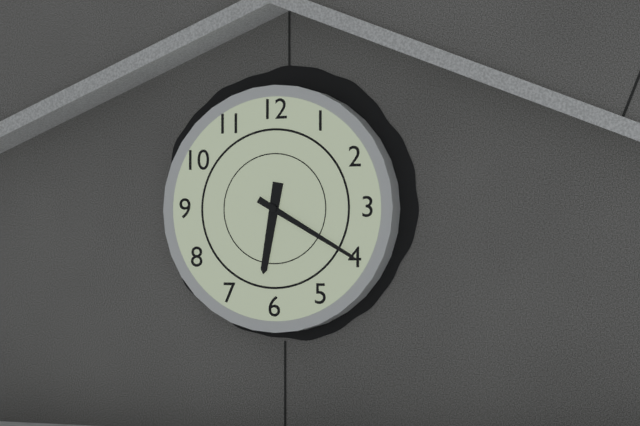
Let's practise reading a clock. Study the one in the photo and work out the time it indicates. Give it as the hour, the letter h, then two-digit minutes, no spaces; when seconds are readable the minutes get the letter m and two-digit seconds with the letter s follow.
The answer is 6h20
